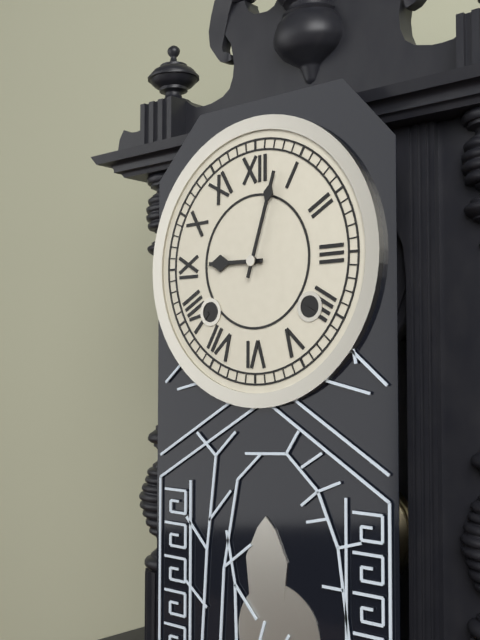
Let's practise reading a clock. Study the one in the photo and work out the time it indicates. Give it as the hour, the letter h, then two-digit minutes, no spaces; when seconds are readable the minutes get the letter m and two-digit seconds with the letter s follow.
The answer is 9h03
